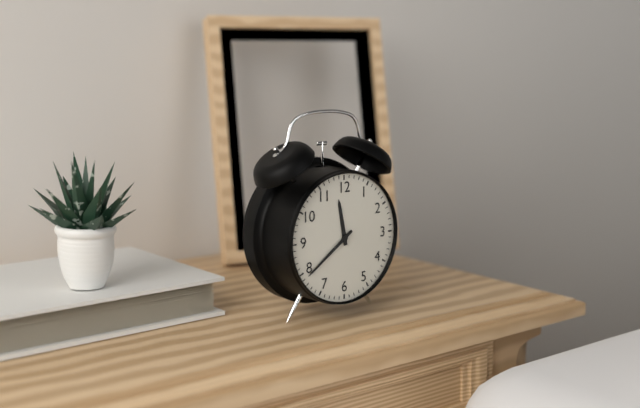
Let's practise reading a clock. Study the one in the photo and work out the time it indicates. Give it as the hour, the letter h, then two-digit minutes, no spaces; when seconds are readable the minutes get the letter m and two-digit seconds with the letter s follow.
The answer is 11h39
